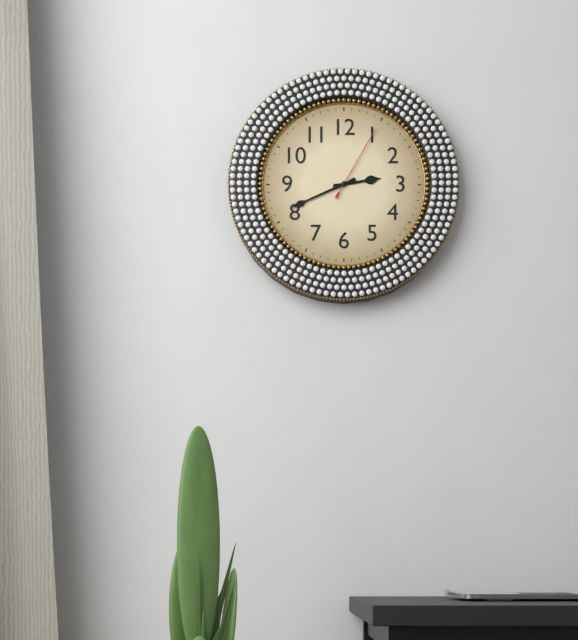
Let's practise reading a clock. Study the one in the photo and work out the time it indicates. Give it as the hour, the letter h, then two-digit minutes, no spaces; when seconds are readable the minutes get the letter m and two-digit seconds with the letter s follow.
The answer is 2h41m05s
